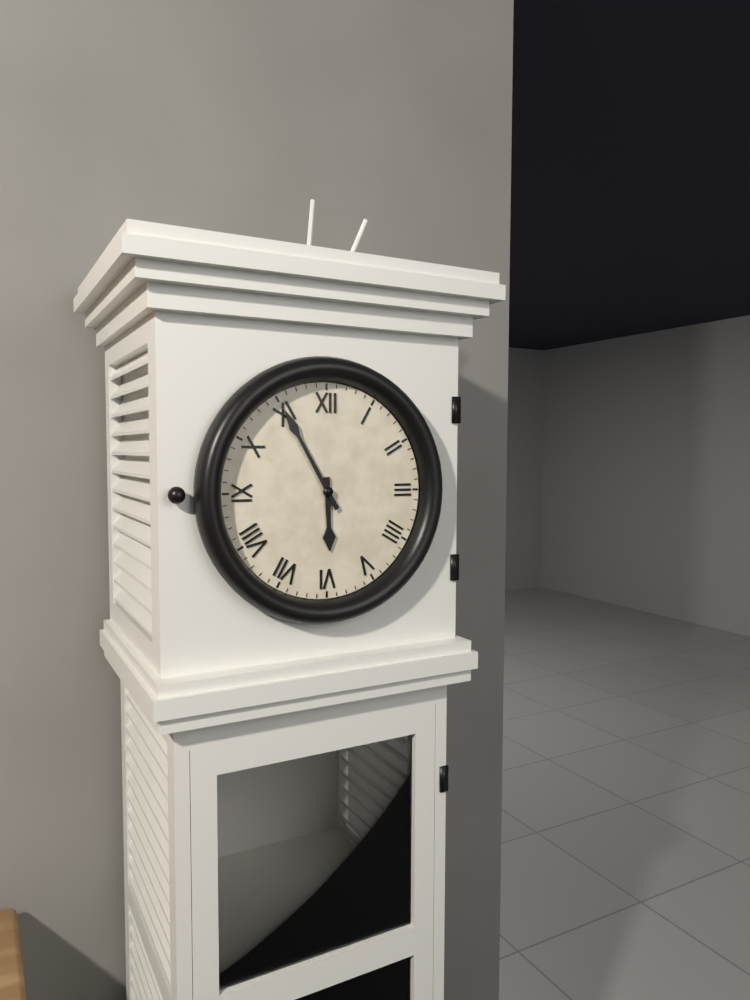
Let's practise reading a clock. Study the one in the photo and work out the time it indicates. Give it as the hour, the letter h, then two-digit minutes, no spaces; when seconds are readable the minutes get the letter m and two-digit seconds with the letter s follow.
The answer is 5h55
